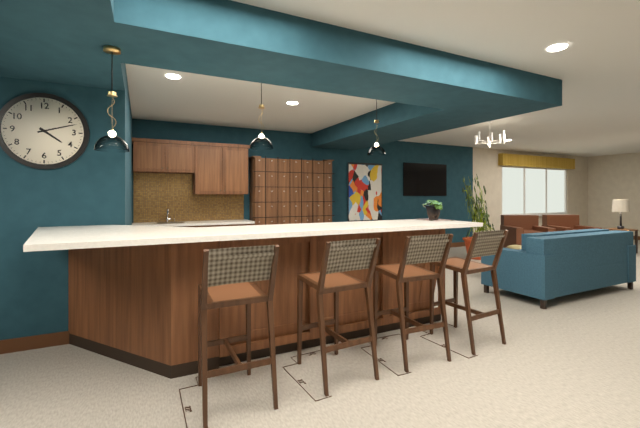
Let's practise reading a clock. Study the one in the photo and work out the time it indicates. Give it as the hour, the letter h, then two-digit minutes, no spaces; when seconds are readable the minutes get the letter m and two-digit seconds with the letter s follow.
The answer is 4h12
